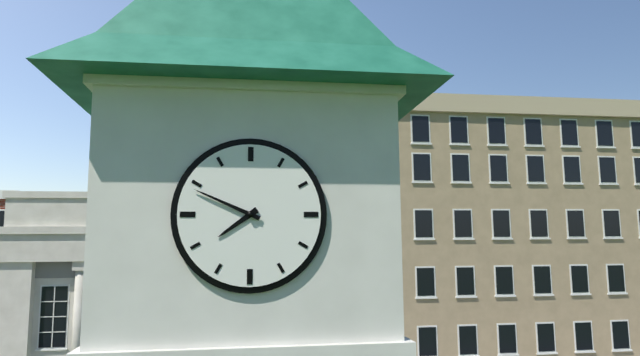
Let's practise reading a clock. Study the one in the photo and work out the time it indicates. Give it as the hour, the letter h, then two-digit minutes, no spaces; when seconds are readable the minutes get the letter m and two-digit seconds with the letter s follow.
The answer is 7h49
